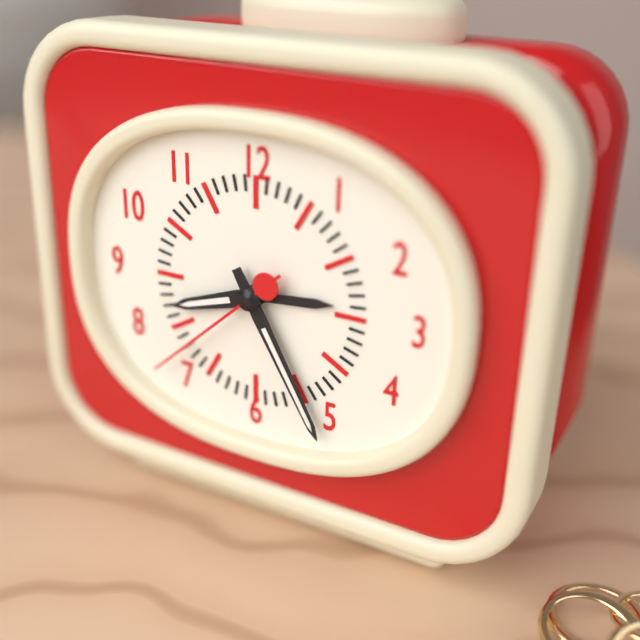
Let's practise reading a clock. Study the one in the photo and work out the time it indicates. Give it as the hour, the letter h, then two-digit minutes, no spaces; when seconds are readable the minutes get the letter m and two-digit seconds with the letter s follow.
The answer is 8h25m38s
